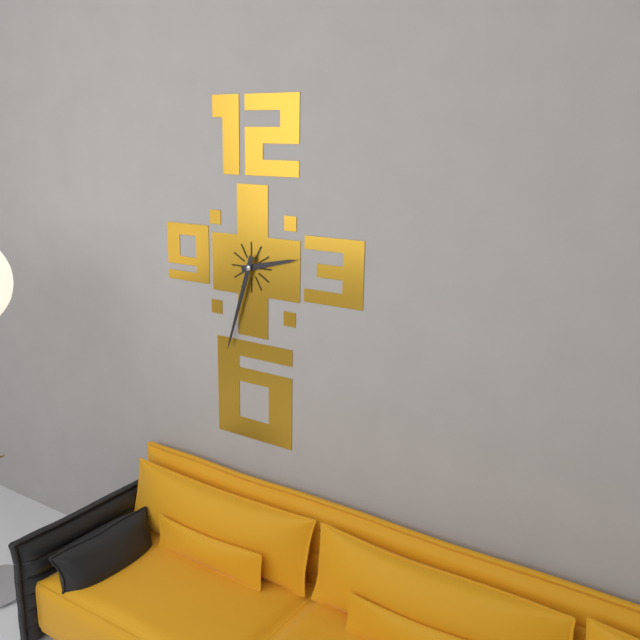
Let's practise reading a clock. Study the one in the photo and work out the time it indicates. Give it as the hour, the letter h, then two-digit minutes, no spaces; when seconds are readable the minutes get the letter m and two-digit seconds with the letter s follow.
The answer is 2h33
